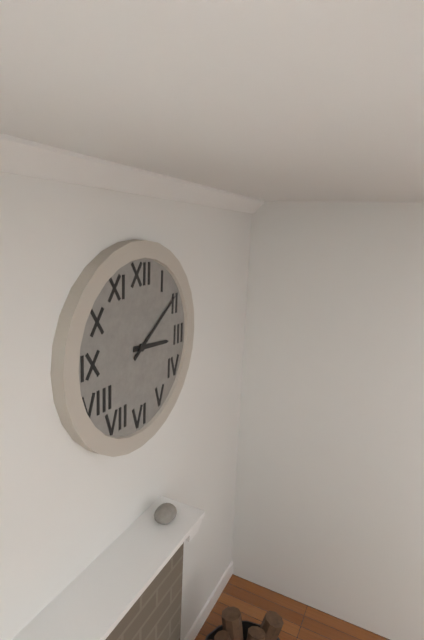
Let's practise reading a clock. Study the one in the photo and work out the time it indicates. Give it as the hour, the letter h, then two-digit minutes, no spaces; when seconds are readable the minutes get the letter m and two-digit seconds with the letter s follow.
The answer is 3h09
